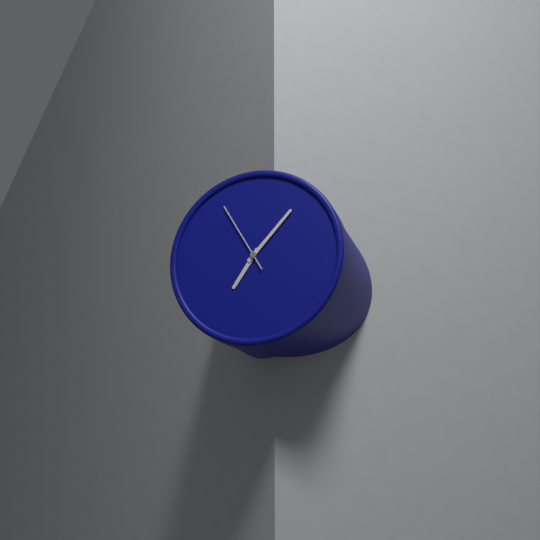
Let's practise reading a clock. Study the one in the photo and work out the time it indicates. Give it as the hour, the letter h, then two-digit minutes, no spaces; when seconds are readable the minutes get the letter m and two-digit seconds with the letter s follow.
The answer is 7h07m55s
